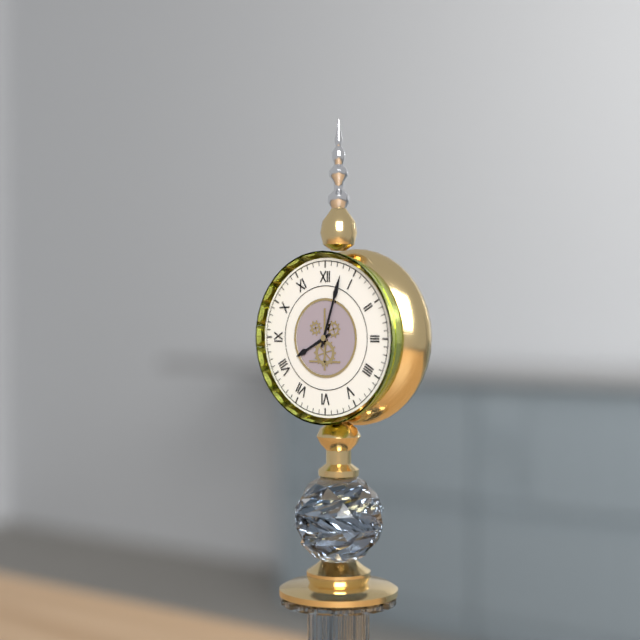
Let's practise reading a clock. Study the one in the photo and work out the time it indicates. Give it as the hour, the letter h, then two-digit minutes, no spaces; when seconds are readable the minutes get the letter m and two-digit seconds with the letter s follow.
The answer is 8h03
